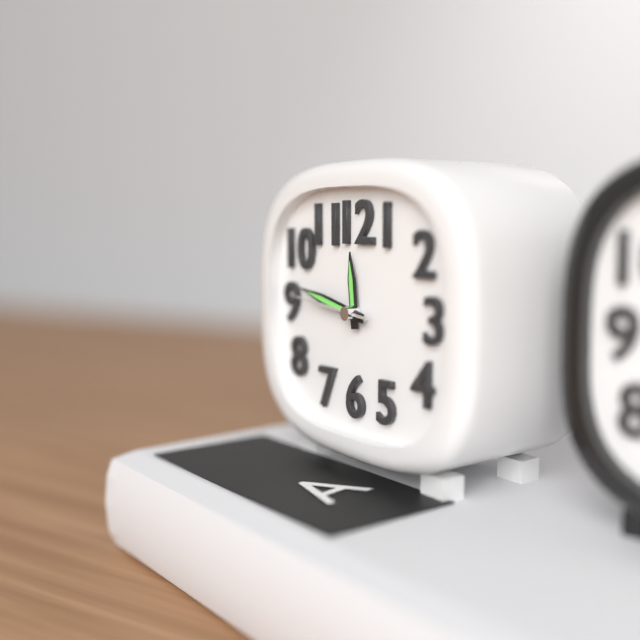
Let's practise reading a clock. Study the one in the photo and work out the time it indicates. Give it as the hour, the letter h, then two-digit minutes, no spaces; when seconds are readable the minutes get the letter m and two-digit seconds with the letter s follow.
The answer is 11h47m46s
